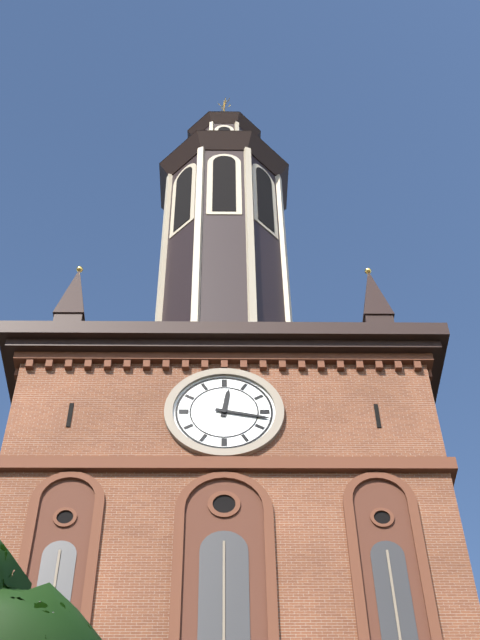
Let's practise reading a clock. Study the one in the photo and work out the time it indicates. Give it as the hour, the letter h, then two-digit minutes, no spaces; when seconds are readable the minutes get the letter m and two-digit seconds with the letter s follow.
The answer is 12h17
